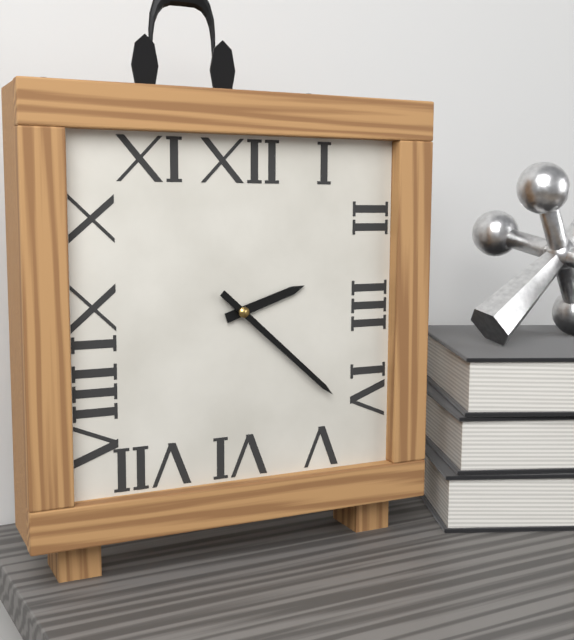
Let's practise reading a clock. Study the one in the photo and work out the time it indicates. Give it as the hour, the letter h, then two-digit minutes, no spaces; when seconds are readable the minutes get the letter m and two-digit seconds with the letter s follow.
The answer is 2h22
